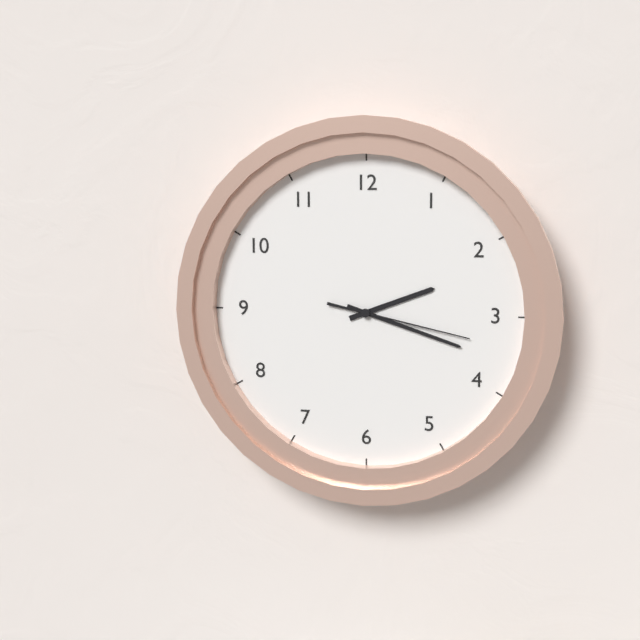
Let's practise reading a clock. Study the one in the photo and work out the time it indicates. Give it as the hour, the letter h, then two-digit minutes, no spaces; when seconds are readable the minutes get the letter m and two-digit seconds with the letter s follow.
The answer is 2h18m17s
